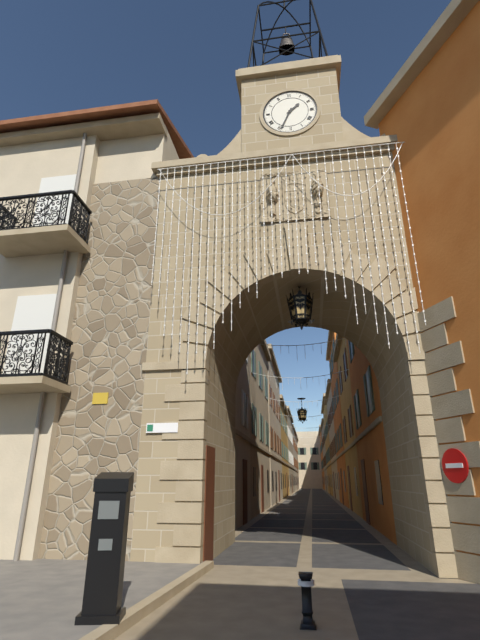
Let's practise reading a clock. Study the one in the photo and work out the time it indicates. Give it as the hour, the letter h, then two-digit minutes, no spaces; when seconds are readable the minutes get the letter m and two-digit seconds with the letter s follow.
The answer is 1h34
